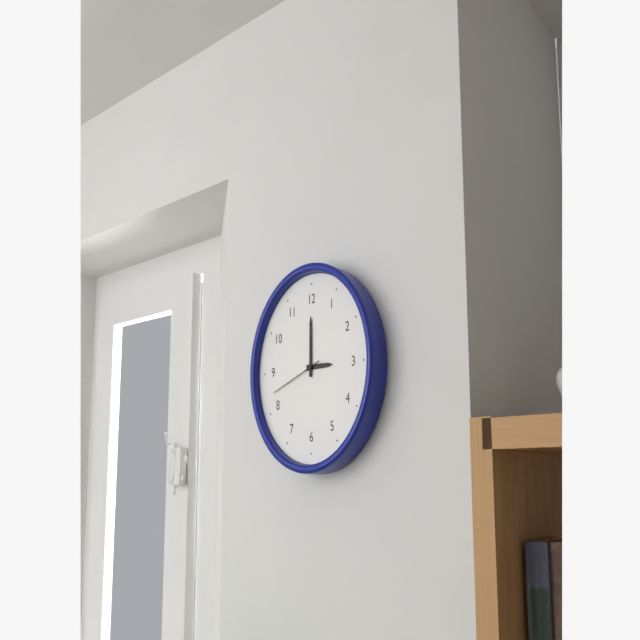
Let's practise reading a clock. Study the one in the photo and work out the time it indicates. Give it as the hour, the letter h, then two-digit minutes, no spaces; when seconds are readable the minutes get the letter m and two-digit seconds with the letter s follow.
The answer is 3h00m42s
